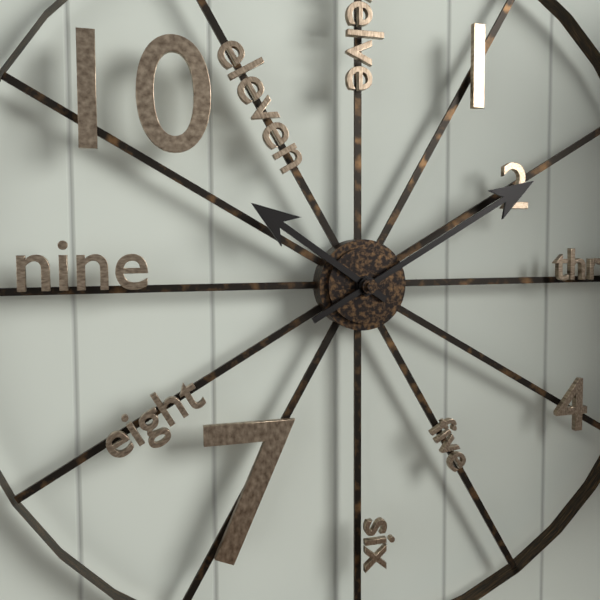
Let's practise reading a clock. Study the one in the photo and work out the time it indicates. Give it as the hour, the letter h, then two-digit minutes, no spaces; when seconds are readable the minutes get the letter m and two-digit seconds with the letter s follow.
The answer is 10h10
